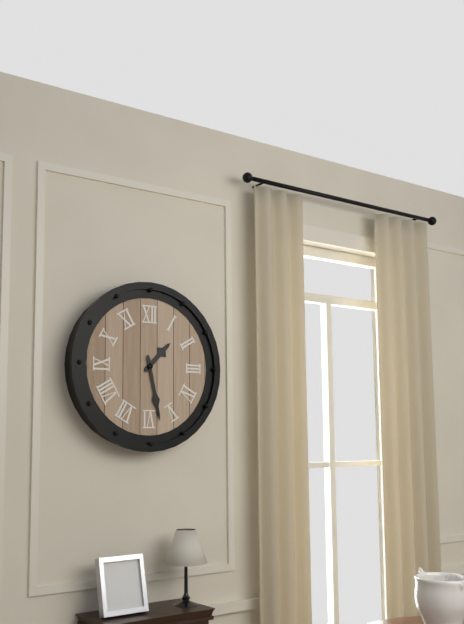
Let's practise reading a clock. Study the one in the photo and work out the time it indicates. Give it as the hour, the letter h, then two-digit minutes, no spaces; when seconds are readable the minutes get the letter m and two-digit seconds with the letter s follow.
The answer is 1h28
